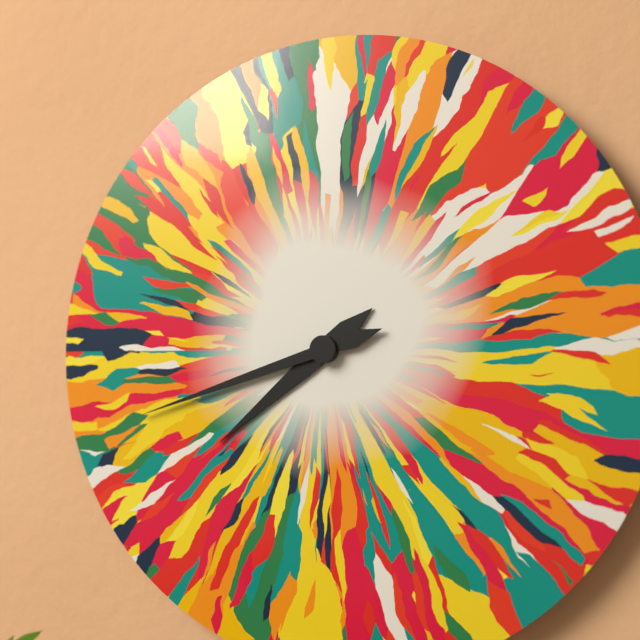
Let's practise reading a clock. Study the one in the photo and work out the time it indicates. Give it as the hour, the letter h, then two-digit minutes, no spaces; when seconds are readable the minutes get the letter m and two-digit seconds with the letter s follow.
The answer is 7h42
